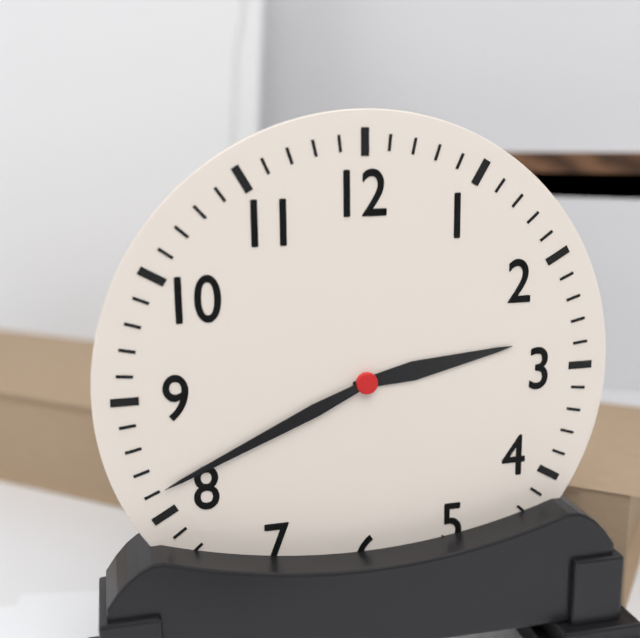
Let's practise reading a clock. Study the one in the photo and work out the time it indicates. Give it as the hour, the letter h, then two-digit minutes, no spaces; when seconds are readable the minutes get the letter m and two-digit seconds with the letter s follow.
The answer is 2h41
